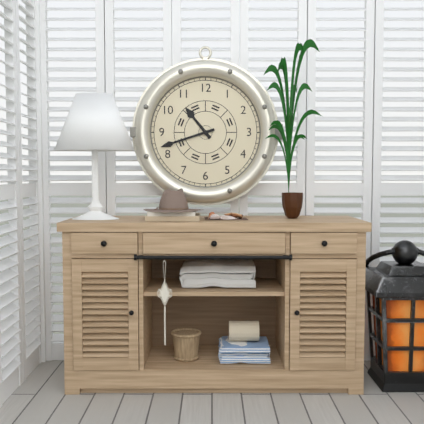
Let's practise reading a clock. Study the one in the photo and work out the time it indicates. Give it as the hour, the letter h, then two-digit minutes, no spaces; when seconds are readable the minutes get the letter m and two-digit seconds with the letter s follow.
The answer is 10h42
